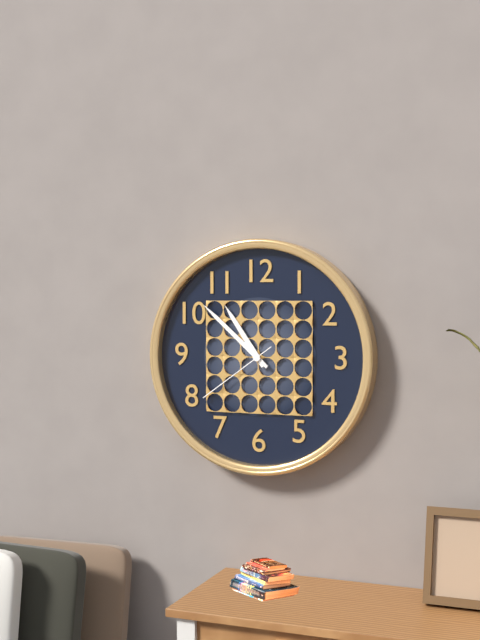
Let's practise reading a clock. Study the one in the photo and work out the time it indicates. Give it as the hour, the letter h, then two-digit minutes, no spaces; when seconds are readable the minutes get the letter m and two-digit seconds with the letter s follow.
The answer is 10h52m39s
